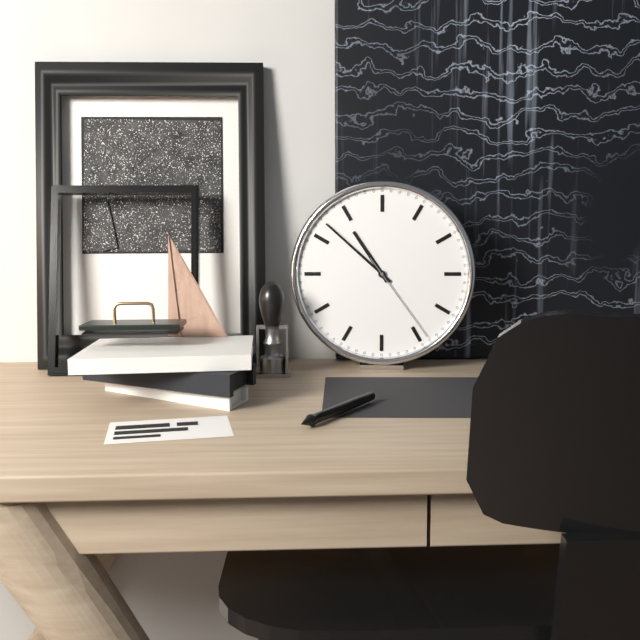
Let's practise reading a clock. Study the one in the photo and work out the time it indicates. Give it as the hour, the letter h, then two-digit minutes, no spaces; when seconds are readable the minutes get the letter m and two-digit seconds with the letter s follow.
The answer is 10h52m24s
